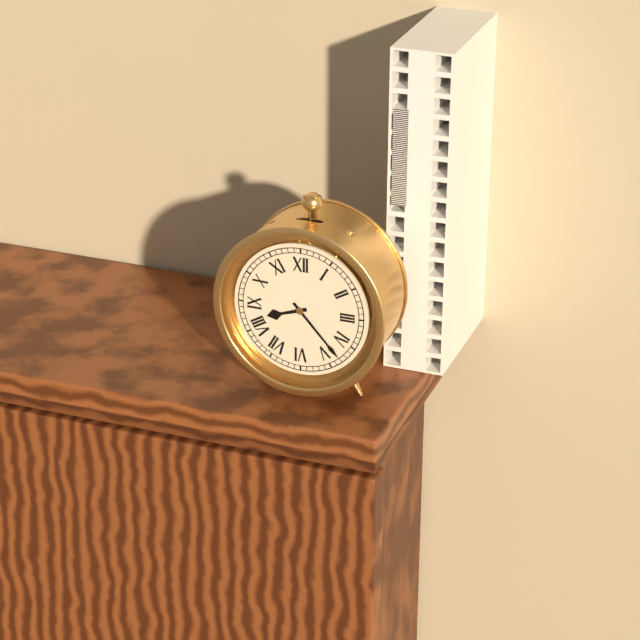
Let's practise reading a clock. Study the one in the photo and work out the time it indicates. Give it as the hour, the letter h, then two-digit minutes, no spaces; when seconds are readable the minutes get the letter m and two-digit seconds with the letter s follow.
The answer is 8h23
